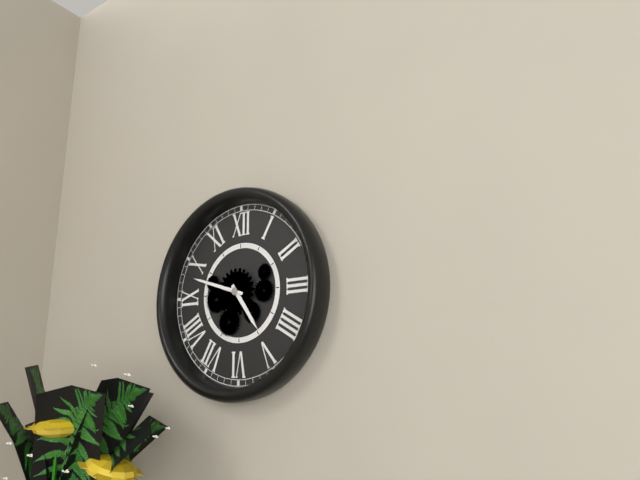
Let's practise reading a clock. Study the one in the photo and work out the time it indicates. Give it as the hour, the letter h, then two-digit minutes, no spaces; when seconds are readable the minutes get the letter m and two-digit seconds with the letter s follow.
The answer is 4h48
